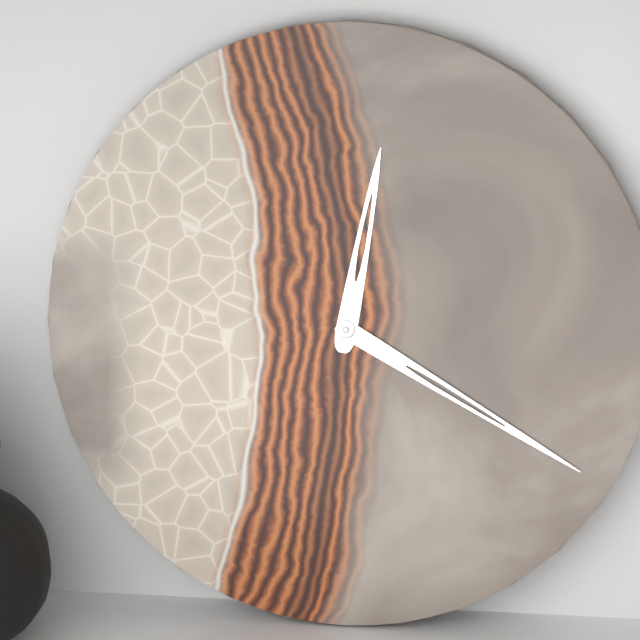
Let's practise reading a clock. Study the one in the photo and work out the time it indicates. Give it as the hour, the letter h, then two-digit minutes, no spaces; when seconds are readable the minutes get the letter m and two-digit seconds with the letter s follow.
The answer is 12h20
